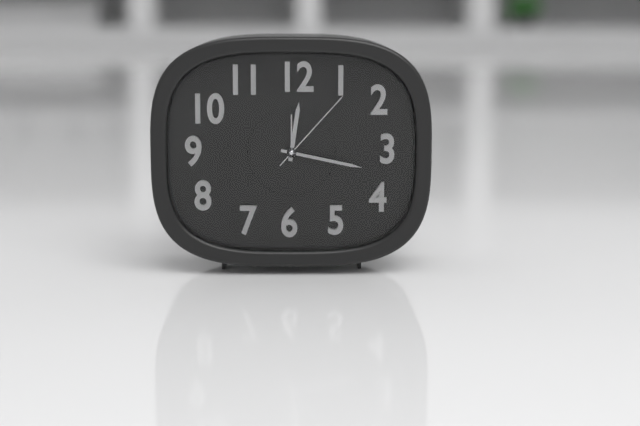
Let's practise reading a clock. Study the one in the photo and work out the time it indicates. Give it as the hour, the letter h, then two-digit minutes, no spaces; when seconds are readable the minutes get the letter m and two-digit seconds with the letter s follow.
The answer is 12h17m07s
